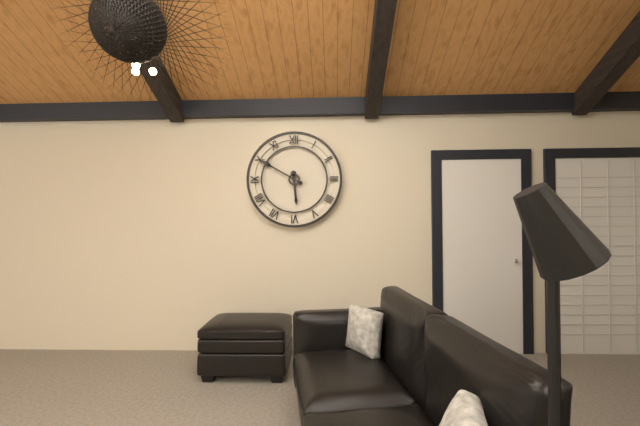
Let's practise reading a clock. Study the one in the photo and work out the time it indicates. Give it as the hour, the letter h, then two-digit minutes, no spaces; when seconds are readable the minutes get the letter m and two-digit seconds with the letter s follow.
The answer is 5h50
